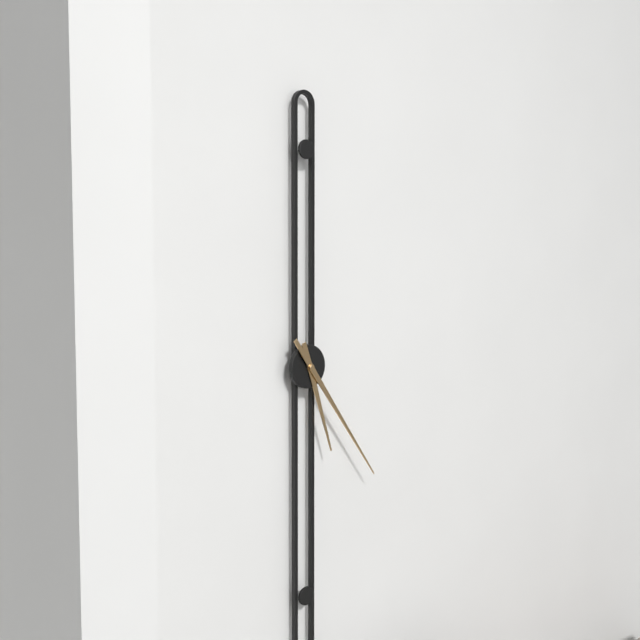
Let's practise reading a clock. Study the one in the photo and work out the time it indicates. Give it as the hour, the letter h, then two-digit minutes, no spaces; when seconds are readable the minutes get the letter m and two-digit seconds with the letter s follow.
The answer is 5h24
